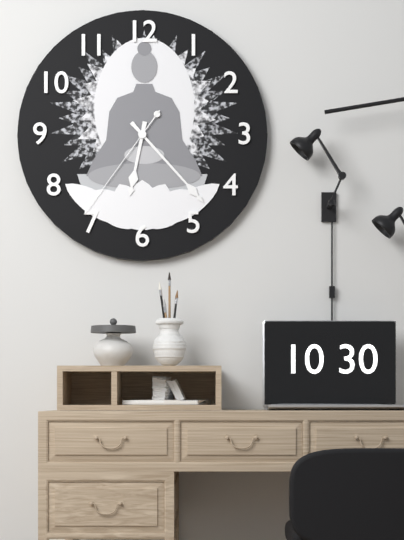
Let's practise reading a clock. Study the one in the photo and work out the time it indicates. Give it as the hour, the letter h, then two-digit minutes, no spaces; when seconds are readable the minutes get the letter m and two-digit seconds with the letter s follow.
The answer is 6h23m36s
